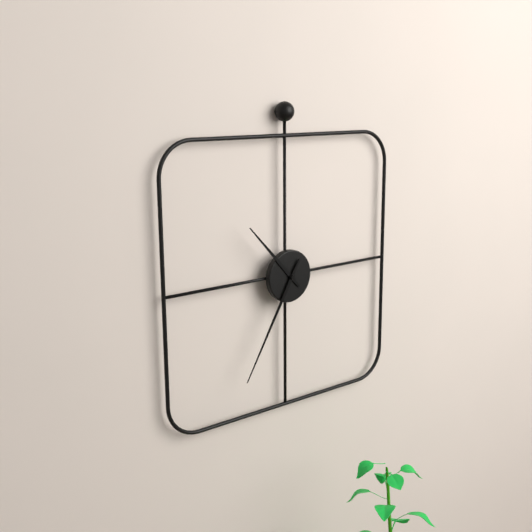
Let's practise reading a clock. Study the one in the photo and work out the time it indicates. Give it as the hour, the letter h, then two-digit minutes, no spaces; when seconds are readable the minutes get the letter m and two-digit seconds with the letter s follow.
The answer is 10h35
